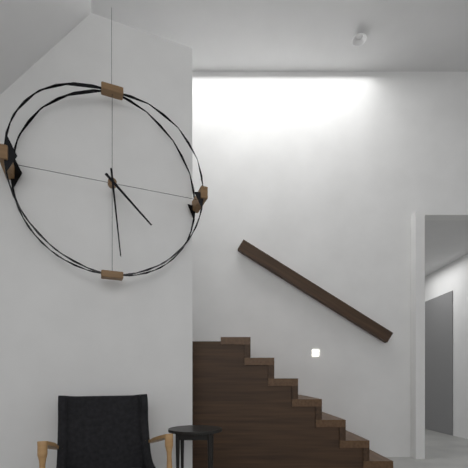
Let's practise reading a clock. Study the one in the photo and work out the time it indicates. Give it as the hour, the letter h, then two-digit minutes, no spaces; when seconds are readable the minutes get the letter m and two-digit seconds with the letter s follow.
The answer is 4h29
